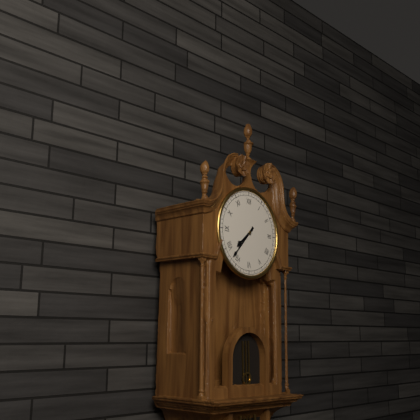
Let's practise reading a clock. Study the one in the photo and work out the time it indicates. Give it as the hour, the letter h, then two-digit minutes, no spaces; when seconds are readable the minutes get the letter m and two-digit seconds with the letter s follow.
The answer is 7h37
